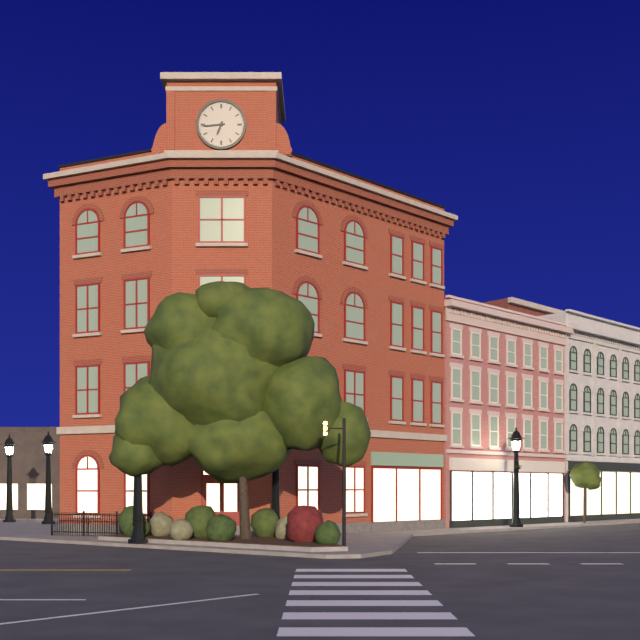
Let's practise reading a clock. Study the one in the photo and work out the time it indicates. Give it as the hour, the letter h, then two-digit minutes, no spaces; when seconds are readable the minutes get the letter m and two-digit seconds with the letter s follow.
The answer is 6h44
